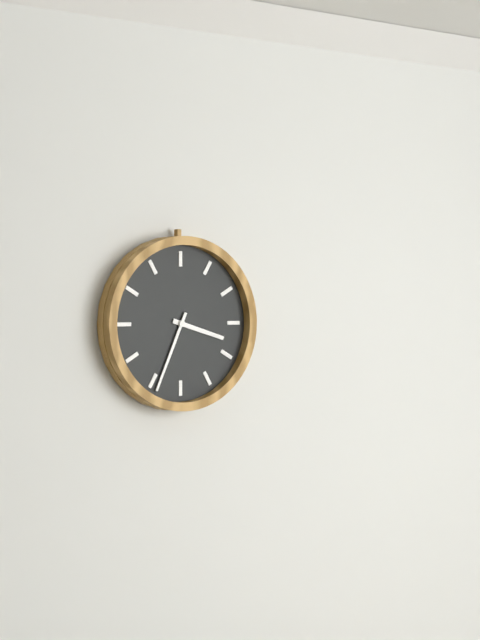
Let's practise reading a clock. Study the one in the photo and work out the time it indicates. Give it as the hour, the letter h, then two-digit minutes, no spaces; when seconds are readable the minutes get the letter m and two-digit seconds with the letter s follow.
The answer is 3h34
